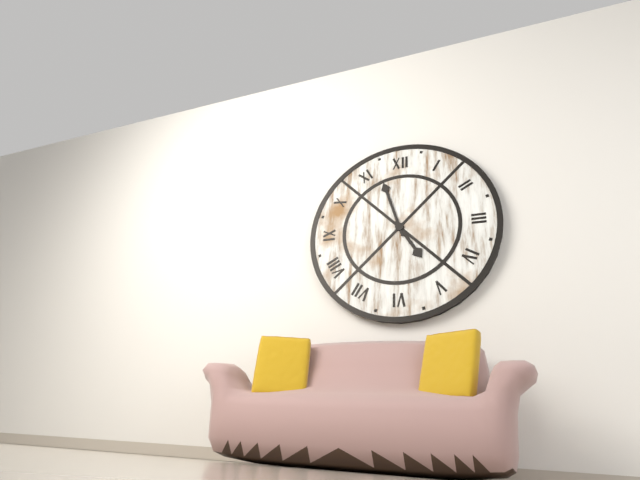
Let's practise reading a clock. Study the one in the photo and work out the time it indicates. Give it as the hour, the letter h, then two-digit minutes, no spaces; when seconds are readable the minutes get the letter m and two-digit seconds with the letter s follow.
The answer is 4h57
